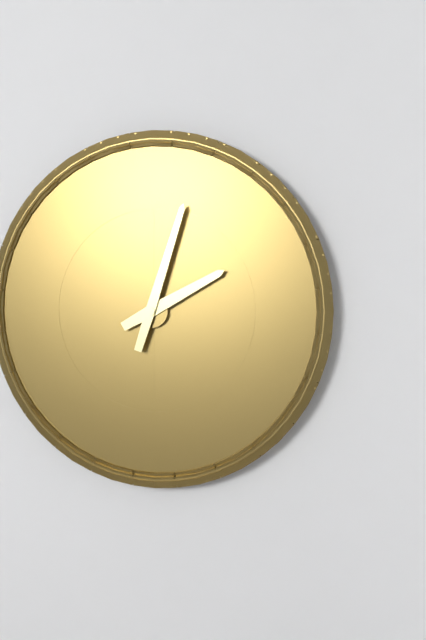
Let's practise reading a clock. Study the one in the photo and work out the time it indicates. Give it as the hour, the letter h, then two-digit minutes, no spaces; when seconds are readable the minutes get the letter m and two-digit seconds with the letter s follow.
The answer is 2h03
